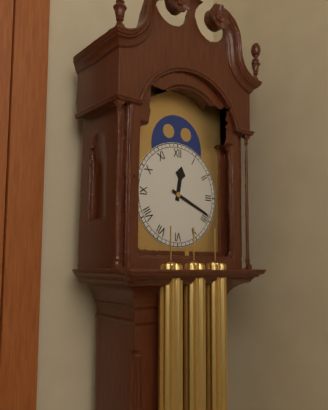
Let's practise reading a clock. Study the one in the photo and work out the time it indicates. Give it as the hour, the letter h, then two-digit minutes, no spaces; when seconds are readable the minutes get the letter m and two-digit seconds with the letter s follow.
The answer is 12h19
